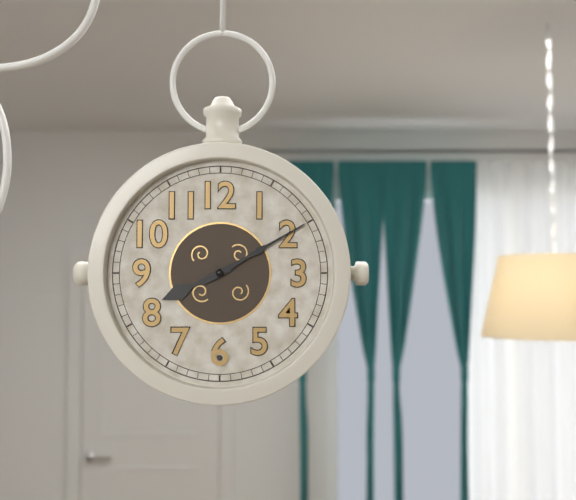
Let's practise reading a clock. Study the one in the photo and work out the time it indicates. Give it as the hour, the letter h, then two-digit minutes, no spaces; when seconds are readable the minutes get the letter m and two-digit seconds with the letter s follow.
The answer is 8h10
